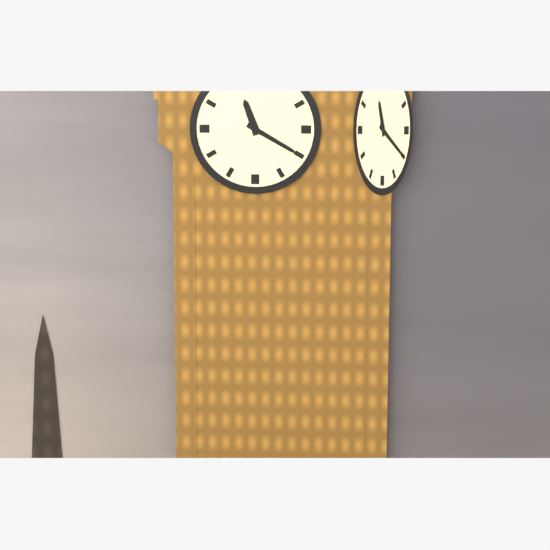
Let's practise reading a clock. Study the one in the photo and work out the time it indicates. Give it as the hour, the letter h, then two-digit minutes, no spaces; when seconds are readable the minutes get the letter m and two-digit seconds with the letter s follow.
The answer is 11h20
